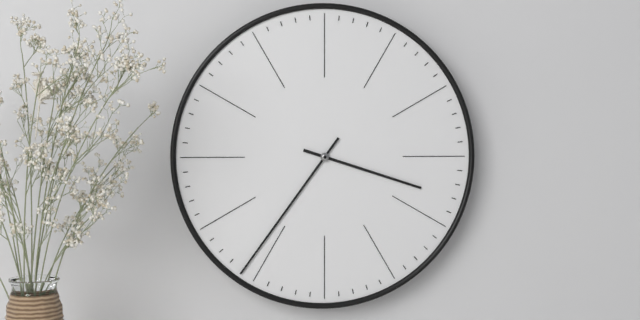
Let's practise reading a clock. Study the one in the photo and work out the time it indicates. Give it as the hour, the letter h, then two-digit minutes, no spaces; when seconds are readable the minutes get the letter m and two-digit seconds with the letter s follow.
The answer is 3h36
